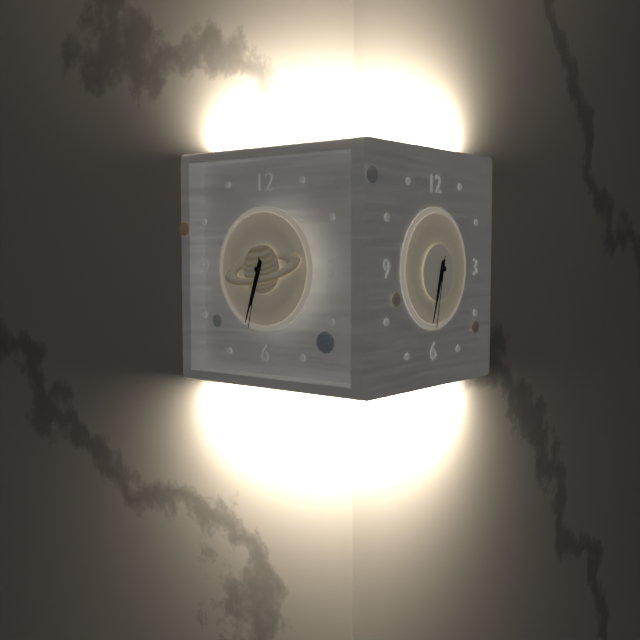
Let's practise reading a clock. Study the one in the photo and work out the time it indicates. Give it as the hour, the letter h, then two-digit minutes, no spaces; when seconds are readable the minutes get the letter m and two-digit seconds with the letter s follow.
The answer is 6h33m32s
